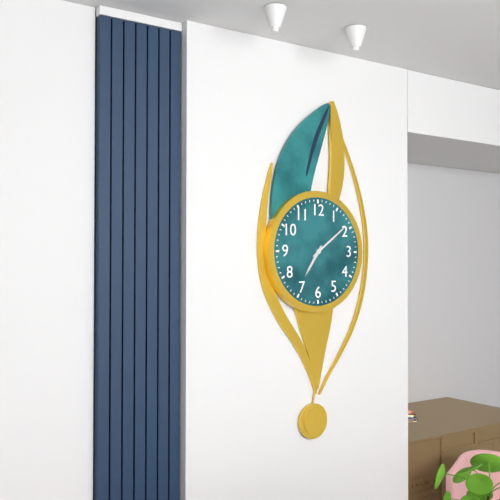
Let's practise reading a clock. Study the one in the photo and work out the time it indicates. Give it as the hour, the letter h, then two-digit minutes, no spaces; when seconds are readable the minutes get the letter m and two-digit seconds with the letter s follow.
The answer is 7h09
